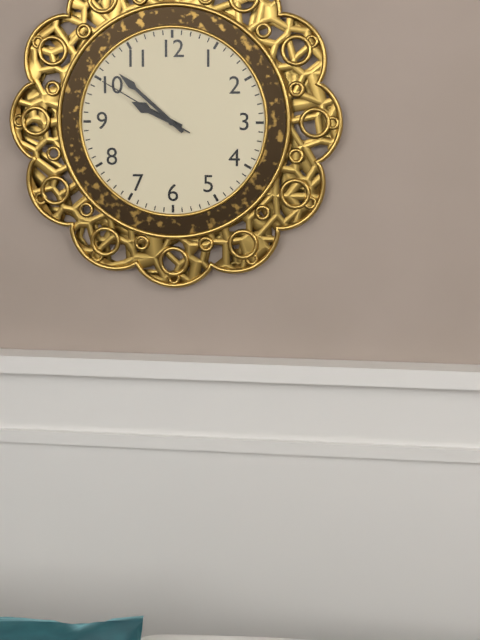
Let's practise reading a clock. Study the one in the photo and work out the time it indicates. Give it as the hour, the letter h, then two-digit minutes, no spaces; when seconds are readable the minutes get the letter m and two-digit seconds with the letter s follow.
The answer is 9h52m50s
